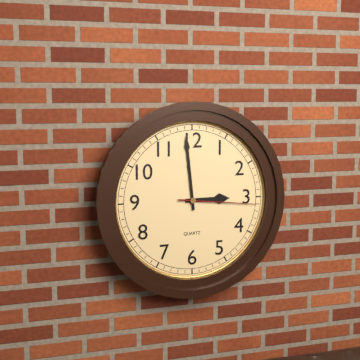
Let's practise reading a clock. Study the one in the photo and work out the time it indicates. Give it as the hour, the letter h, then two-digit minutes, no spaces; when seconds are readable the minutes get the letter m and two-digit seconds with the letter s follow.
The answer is 2h59m16s
